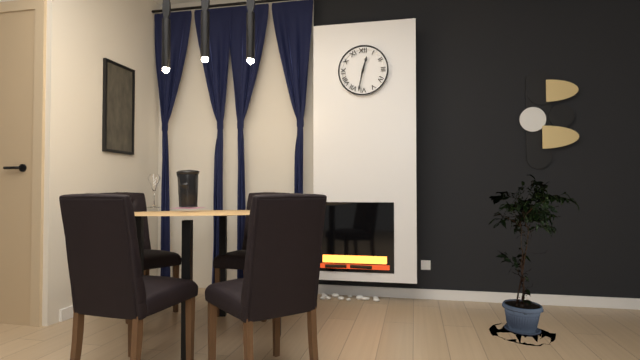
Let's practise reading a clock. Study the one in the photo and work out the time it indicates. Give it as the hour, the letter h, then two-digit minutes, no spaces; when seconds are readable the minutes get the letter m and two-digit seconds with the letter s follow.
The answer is 12h32
